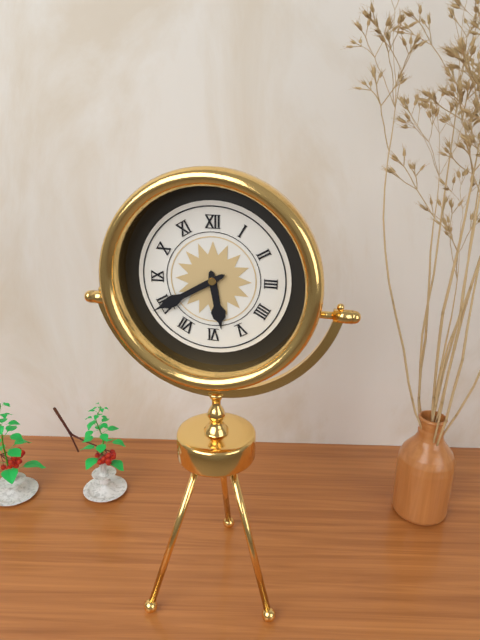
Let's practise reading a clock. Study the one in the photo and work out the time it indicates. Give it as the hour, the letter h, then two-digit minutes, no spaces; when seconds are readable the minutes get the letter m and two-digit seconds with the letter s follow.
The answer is 5h40
